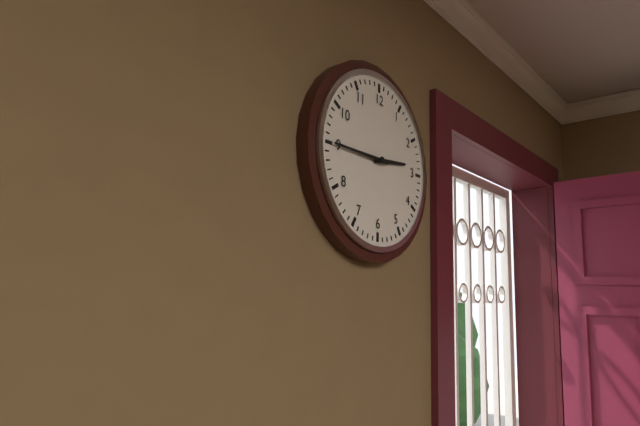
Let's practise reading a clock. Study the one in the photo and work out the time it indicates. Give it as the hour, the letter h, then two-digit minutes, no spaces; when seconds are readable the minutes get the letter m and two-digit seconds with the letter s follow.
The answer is 2h45
